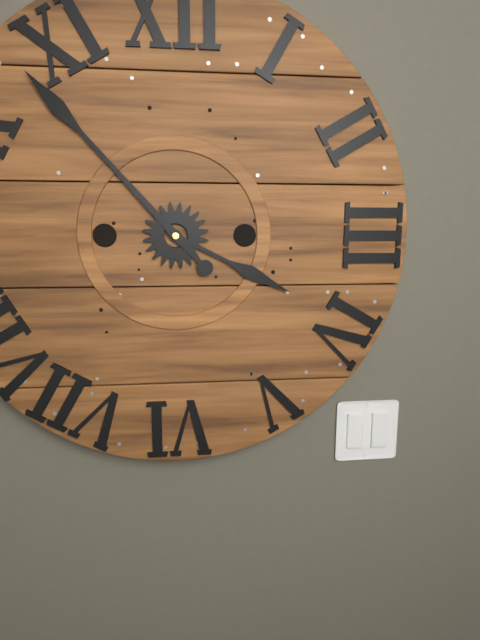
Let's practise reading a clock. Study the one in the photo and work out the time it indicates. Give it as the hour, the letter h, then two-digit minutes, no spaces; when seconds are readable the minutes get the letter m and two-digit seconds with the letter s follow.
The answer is 3h53
